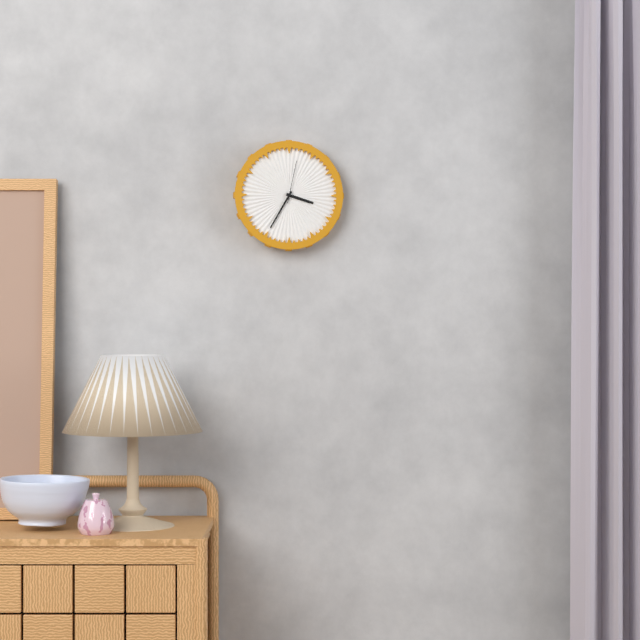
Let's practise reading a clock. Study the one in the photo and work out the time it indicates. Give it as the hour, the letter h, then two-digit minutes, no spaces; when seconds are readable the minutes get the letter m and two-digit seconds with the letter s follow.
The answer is 3h35
